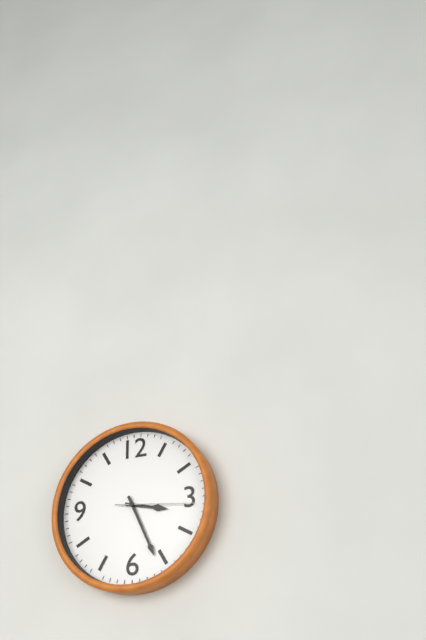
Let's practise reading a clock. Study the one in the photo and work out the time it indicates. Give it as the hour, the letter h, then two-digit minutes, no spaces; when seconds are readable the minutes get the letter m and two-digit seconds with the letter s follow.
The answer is 3h26m16s
